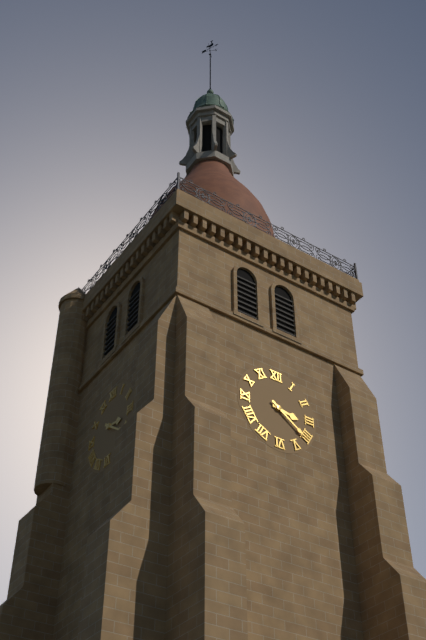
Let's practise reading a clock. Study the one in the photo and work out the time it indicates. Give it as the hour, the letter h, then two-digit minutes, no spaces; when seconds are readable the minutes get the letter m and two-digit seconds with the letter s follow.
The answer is 3h21
